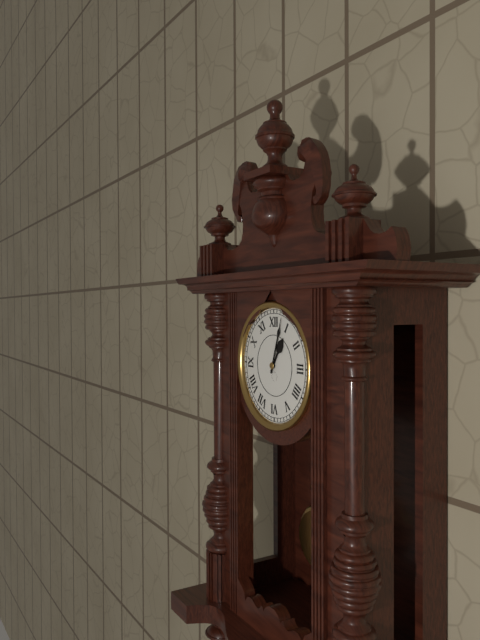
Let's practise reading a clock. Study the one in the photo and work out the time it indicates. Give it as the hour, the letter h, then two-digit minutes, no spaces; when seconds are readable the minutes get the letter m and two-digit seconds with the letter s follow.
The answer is 1h03
